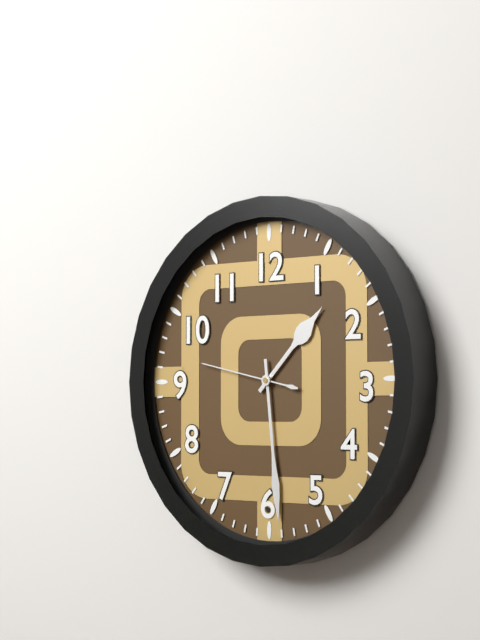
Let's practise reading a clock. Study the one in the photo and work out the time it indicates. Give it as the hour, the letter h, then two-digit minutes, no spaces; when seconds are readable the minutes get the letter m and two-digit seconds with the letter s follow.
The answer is 1h29m47s
